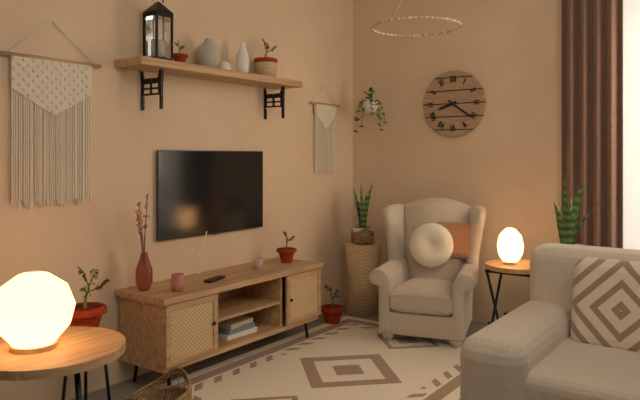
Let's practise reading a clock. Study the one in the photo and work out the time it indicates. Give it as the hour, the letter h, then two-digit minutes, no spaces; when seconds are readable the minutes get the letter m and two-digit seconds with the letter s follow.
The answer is 8h21
